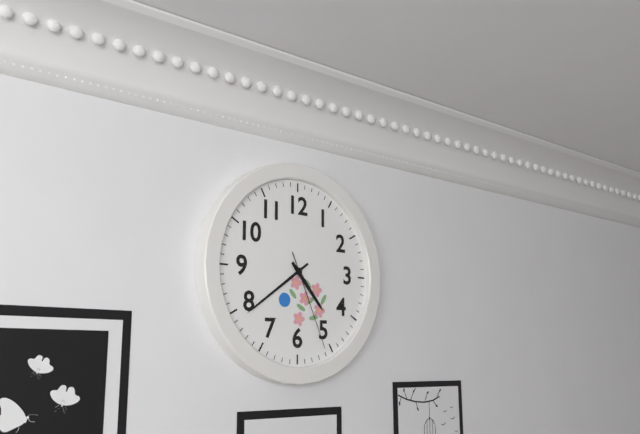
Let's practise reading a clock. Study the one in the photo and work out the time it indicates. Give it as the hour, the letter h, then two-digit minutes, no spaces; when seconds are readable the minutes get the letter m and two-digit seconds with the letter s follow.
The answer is 4h39m26s
